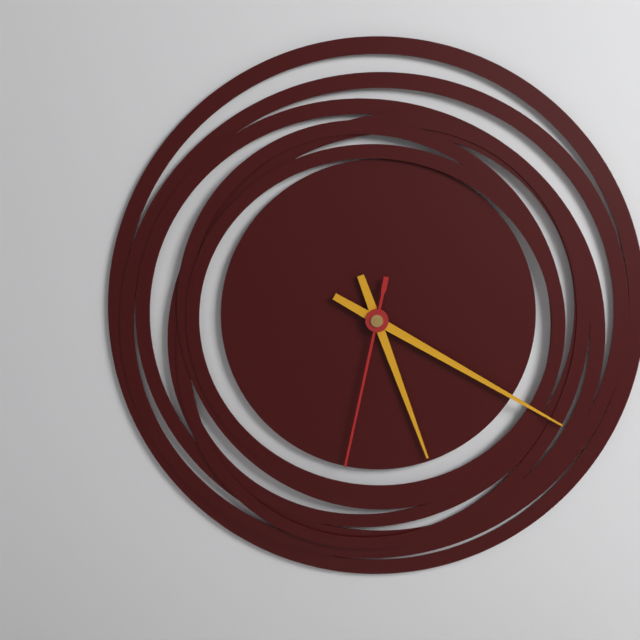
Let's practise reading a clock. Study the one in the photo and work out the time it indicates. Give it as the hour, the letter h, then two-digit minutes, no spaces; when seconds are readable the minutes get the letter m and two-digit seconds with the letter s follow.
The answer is 5h20m32s
